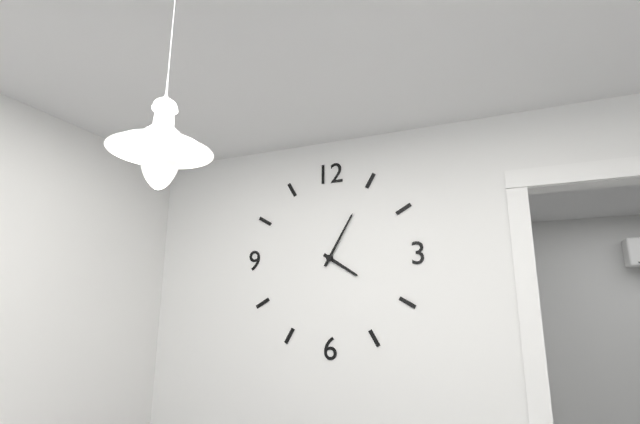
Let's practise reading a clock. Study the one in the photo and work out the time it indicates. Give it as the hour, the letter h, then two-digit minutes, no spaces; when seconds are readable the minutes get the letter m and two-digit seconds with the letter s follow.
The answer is 4h05
